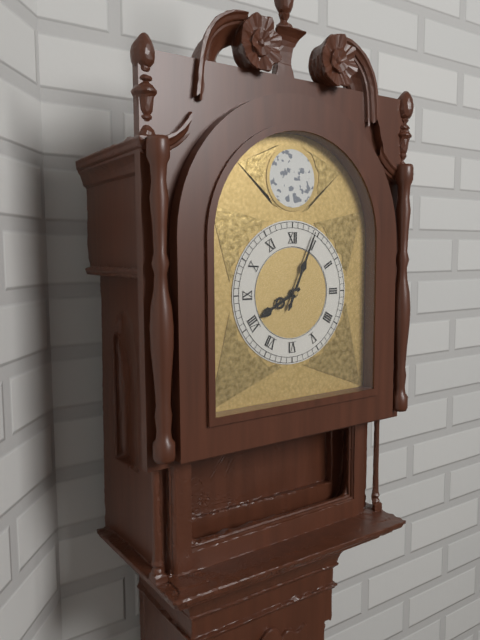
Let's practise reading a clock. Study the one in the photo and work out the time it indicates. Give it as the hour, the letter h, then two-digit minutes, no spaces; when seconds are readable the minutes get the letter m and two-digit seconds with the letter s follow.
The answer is 8h04
